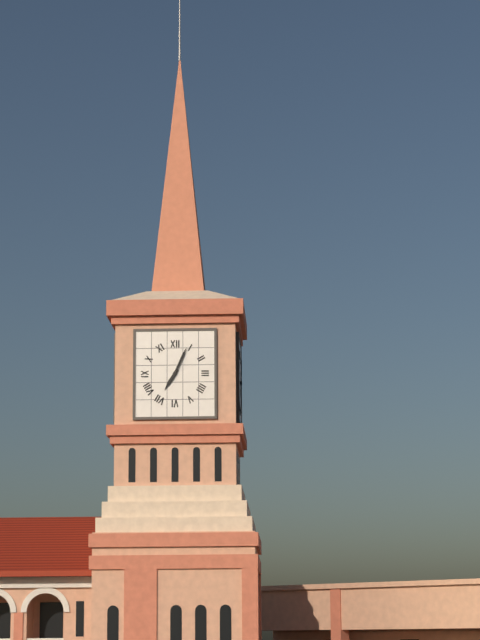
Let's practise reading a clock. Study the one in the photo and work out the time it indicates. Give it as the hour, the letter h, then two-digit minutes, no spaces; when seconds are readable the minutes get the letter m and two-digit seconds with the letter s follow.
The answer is 7h04
